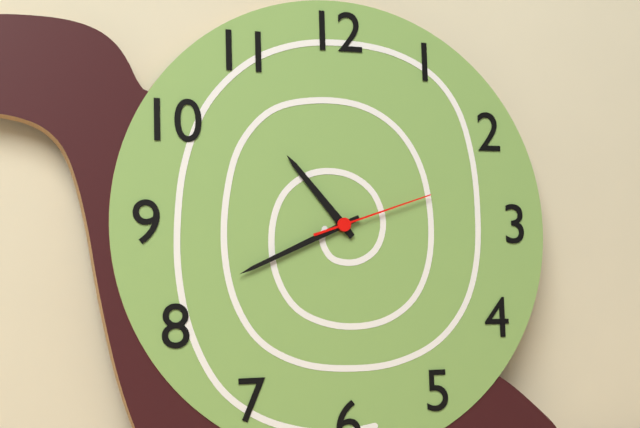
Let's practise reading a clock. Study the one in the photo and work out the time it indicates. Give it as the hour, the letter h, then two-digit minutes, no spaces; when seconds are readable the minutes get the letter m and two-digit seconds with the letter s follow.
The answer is 10h41m12s
